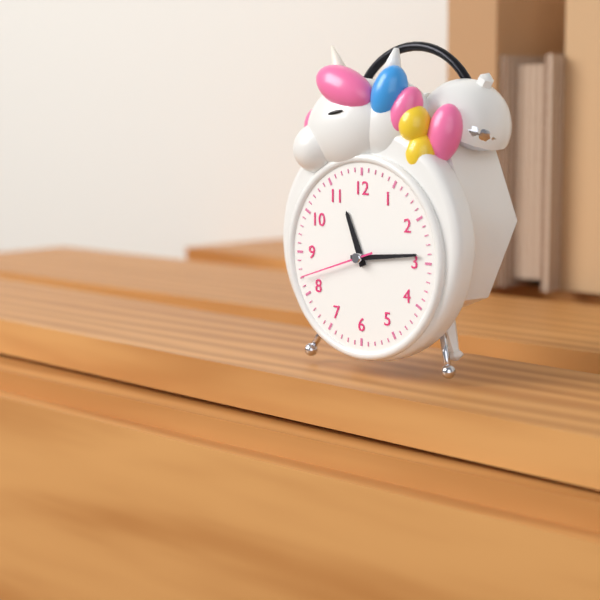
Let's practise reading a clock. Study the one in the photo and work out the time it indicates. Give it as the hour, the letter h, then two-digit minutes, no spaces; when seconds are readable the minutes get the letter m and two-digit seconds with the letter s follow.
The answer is 11h14m42s
